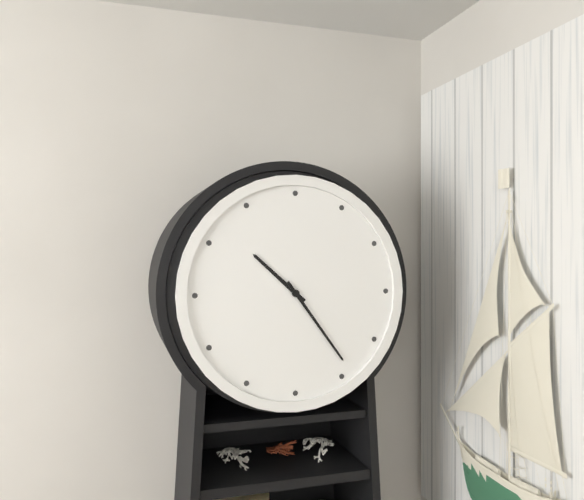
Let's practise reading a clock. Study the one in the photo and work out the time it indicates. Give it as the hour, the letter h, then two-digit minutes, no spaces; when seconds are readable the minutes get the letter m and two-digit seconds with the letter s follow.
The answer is 10h24
